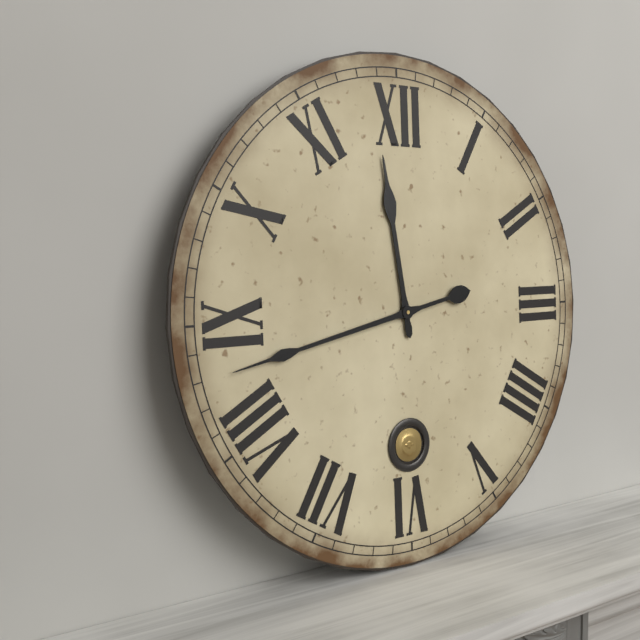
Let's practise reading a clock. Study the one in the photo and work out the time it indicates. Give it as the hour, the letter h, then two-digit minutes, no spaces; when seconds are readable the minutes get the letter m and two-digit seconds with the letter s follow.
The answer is 11h43
